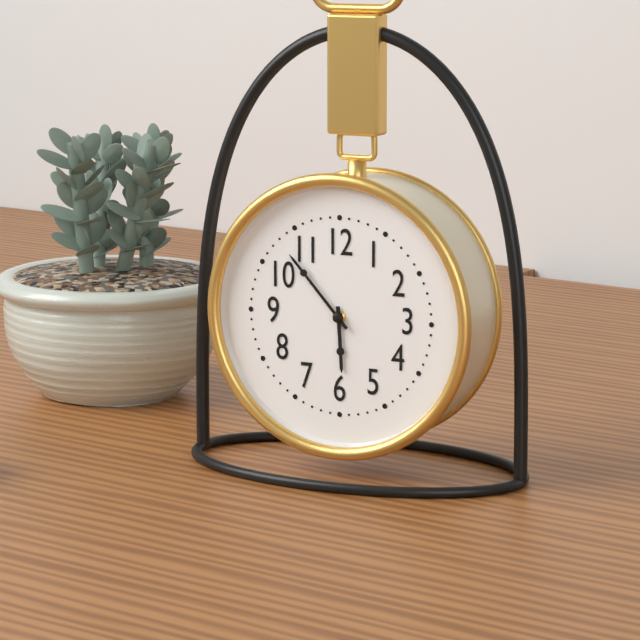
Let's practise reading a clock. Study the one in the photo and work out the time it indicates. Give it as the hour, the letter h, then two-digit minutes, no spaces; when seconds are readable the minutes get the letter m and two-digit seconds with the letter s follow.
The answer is 5h53
